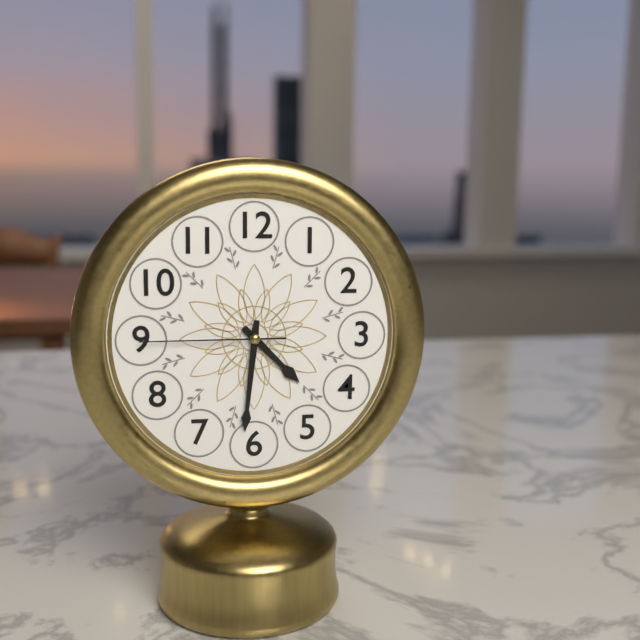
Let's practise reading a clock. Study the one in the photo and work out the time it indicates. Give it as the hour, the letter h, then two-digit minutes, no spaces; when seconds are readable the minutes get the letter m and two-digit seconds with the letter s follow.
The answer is 4h31m45s
